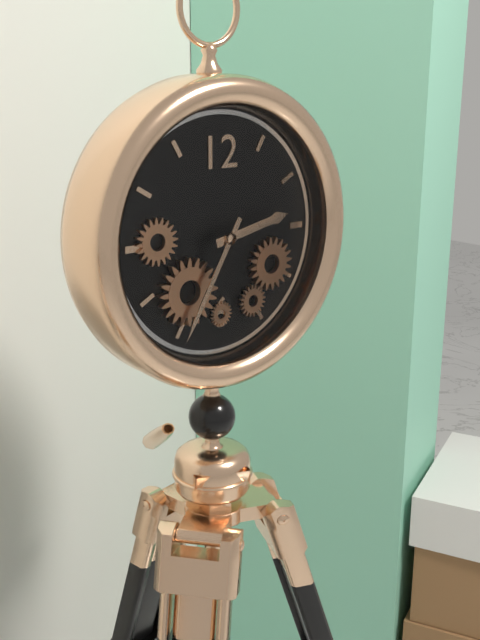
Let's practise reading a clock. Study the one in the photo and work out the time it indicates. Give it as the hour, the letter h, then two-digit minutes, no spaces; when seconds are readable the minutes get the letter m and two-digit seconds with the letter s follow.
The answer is 2h35
